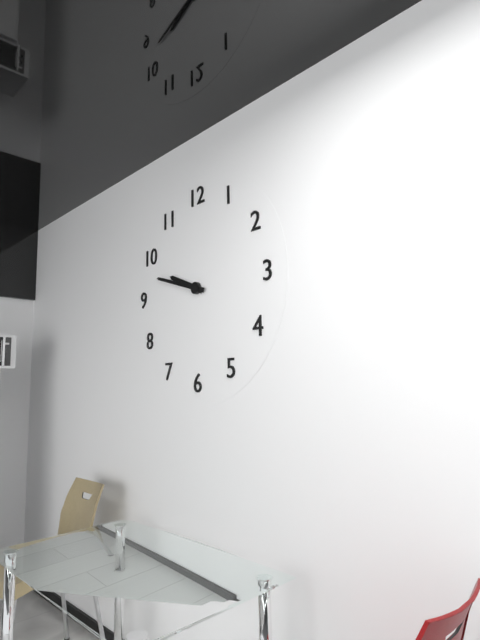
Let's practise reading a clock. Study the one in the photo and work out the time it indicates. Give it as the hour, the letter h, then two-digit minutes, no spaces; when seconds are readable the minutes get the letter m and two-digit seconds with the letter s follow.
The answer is 9h48
